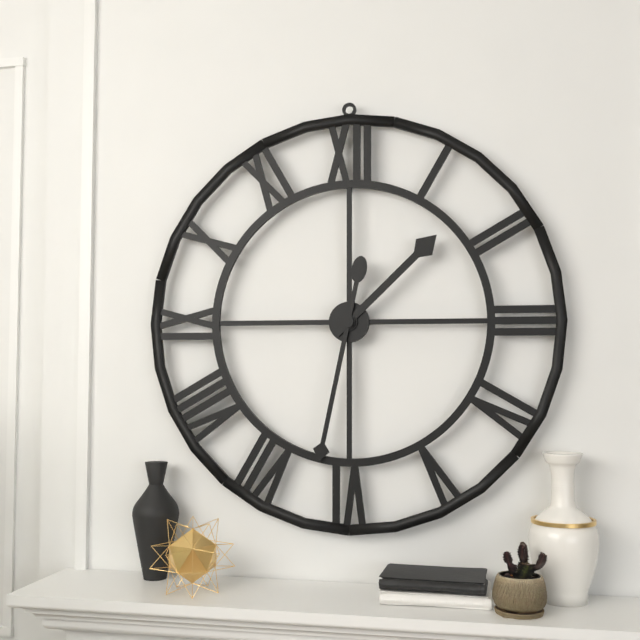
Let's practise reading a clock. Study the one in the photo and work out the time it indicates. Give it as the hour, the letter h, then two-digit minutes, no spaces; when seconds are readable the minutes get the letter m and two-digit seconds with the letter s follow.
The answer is 1h32
